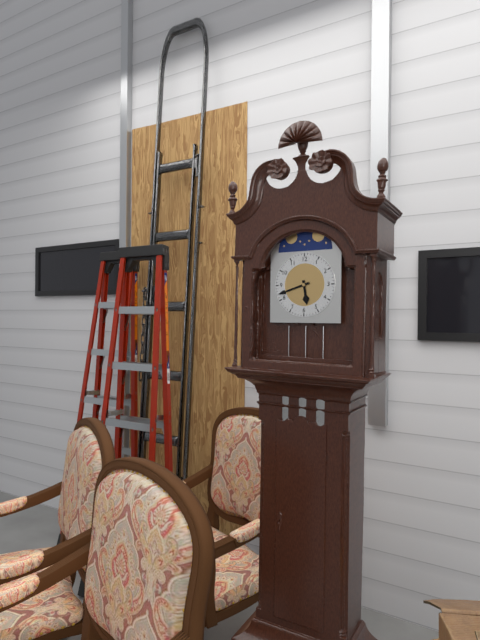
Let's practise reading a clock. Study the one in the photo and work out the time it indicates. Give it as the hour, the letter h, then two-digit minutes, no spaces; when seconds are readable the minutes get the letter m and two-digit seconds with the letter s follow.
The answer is 5h42
